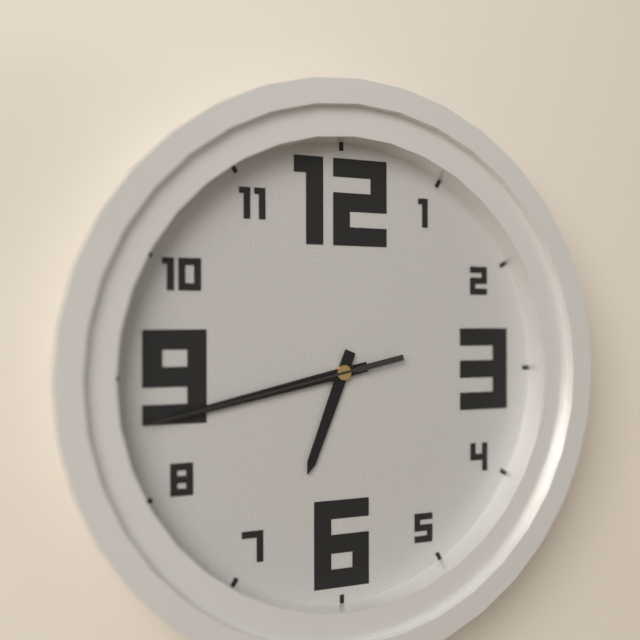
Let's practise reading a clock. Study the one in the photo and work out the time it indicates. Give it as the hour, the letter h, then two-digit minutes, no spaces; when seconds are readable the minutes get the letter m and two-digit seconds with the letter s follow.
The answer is 6h43m43s
